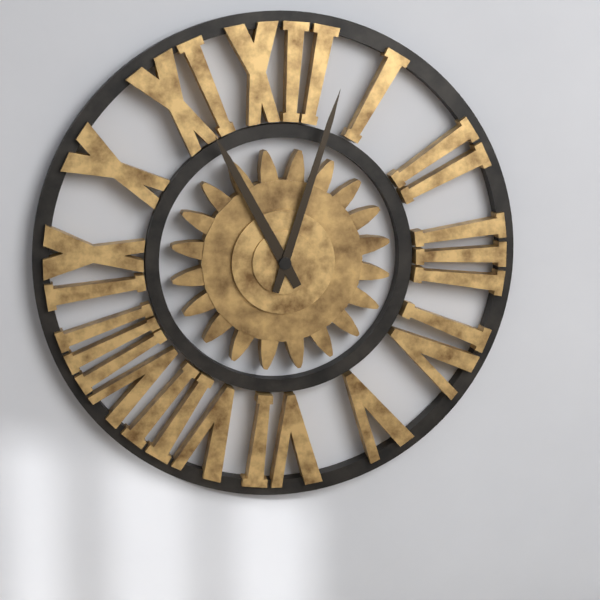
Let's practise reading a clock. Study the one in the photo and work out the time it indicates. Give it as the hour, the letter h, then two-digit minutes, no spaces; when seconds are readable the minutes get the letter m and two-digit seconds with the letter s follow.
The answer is 11h03
